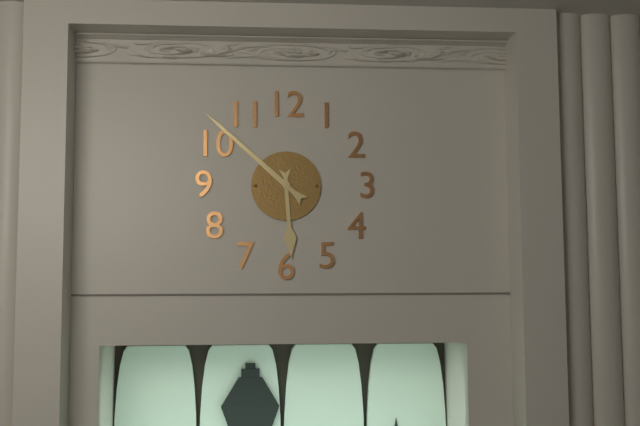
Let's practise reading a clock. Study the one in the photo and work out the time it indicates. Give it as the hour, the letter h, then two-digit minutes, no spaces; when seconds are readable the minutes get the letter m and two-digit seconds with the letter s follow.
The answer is 5h52
